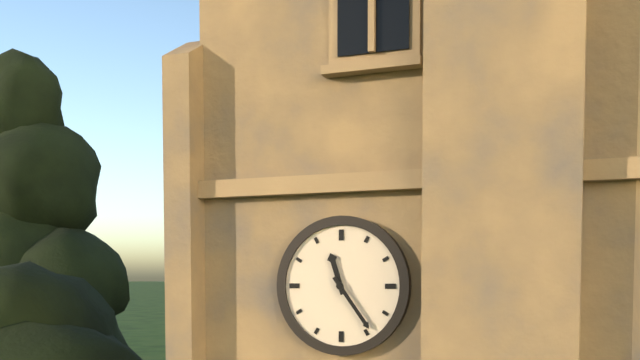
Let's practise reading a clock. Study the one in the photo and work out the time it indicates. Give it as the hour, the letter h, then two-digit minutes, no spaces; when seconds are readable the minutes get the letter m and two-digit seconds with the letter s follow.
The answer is 11h24
